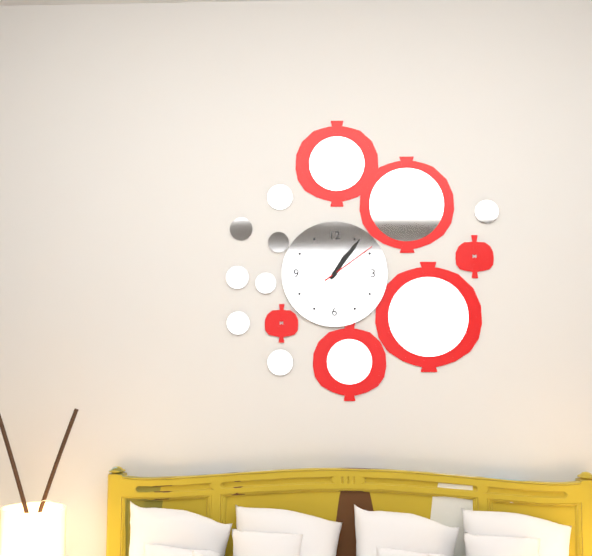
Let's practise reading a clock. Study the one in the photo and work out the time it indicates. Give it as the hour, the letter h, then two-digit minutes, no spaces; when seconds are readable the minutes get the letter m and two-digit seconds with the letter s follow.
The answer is 1h06m09s
